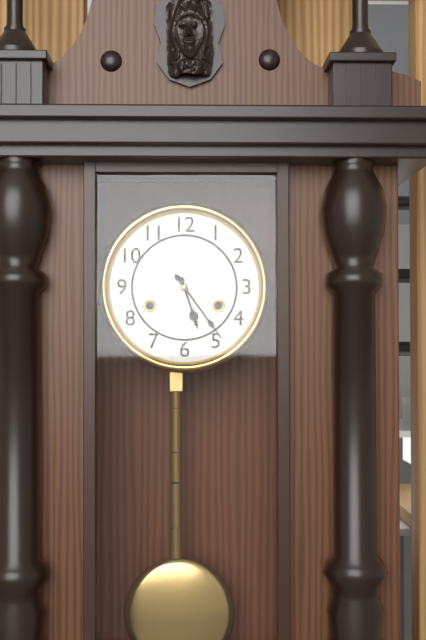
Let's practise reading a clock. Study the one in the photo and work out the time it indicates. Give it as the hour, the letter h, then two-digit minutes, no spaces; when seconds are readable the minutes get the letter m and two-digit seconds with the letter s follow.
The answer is 5h24
